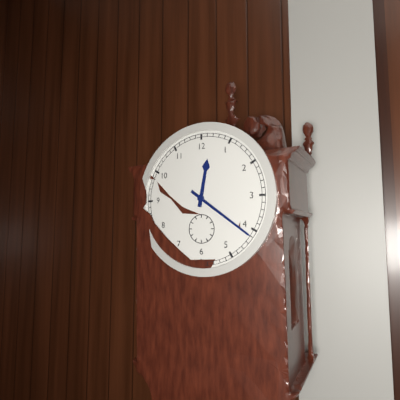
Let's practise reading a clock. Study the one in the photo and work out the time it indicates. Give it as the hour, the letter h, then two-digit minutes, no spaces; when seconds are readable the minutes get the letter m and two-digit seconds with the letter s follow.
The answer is 12h21
